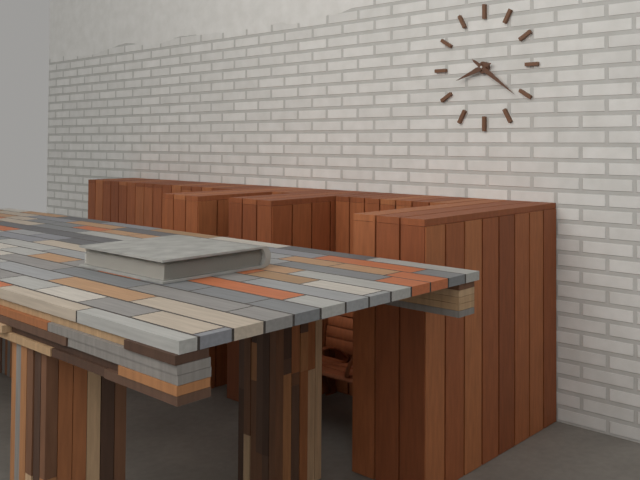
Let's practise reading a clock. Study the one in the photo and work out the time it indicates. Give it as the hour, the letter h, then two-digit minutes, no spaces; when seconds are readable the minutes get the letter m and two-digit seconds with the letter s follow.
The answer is 8h21
